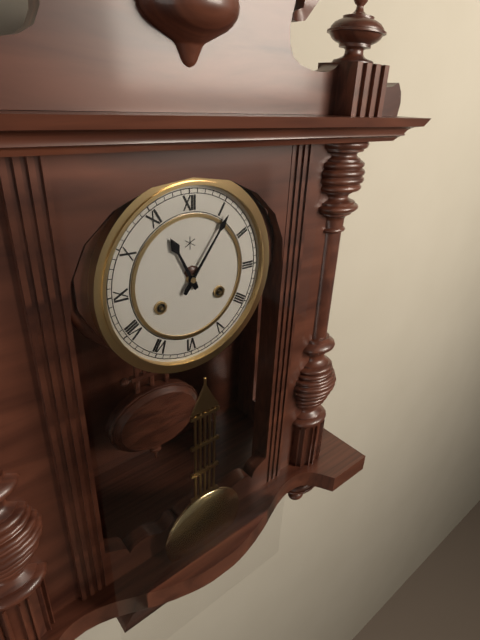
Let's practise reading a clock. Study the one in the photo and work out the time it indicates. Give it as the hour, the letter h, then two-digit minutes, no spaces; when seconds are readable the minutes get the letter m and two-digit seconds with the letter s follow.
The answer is 11h06
